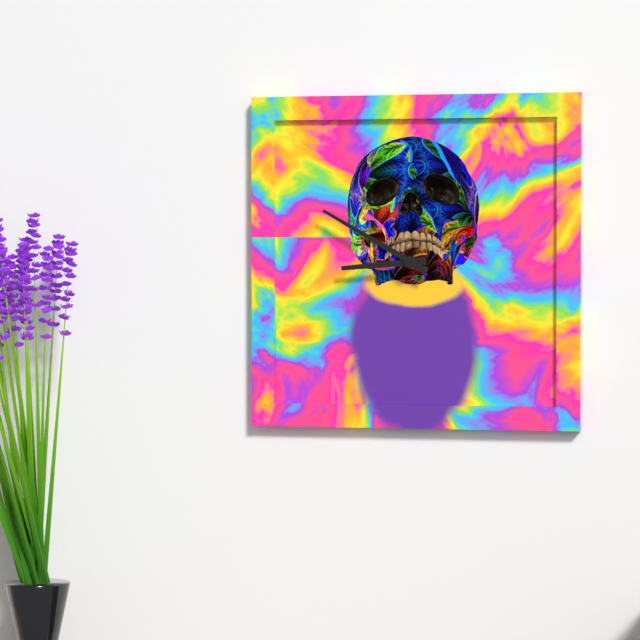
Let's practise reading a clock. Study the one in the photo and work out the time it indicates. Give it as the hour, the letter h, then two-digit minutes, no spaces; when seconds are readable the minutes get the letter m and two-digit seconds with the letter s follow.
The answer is 8h50
